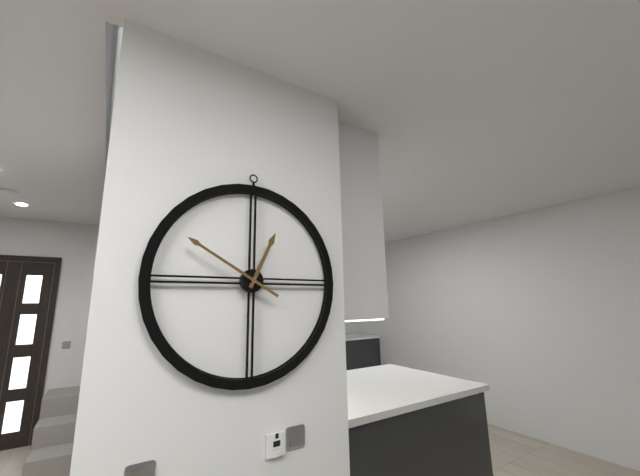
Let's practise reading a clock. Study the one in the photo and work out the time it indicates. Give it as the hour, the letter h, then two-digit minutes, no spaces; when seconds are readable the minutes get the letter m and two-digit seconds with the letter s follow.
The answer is 12h50
